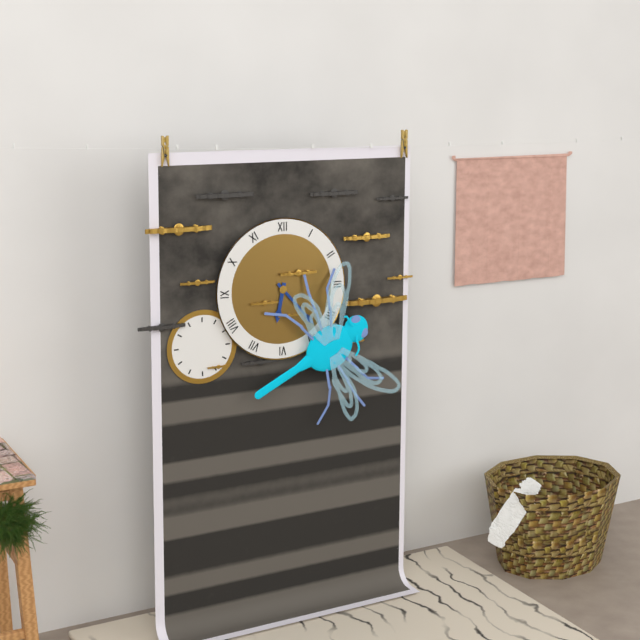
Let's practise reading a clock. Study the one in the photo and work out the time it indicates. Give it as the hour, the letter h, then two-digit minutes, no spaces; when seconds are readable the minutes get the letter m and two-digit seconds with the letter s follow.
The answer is 6h23
